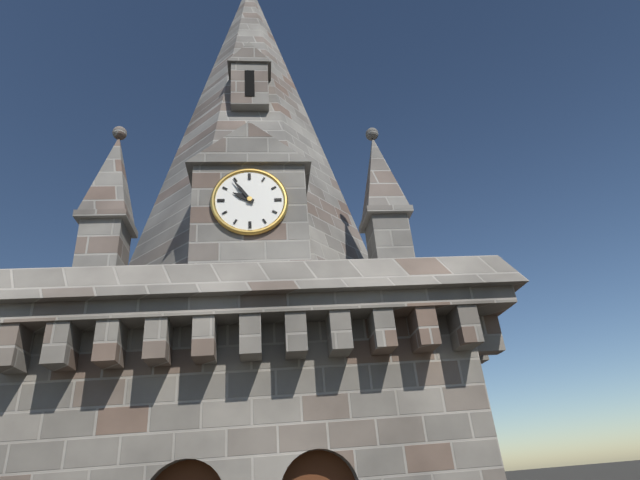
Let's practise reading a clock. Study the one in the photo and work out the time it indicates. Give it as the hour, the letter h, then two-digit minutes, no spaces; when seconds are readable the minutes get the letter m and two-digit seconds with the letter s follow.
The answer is 9h54
